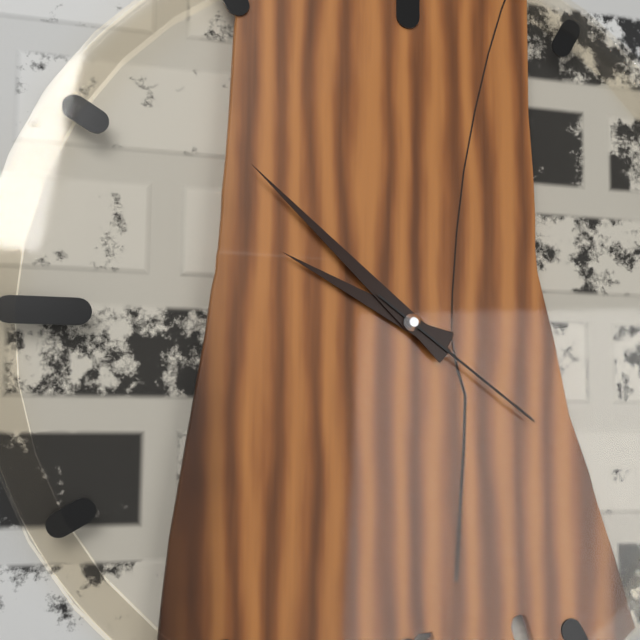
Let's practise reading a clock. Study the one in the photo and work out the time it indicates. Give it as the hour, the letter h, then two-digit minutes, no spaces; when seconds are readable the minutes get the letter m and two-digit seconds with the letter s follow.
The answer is 9h52m21s
